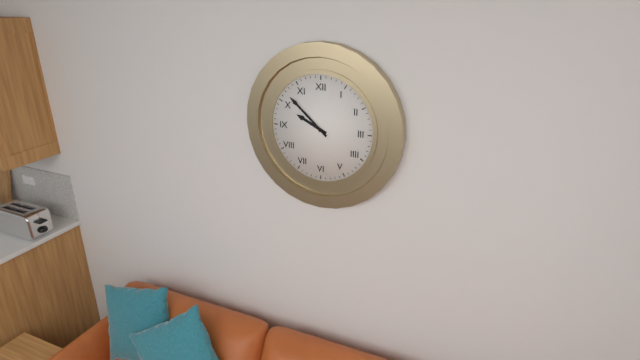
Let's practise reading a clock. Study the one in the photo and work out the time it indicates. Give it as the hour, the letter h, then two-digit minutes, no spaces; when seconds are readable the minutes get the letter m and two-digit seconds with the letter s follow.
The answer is 9h52
